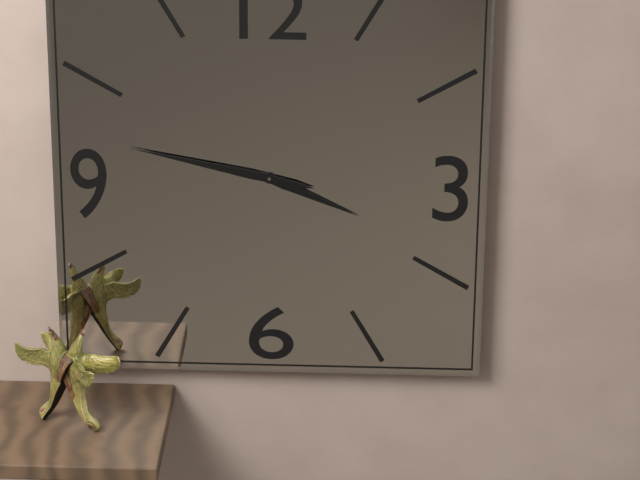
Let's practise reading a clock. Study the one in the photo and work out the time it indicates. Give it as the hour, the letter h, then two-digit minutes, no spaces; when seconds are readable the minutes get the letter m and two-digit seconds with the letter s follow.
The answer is 3h47
